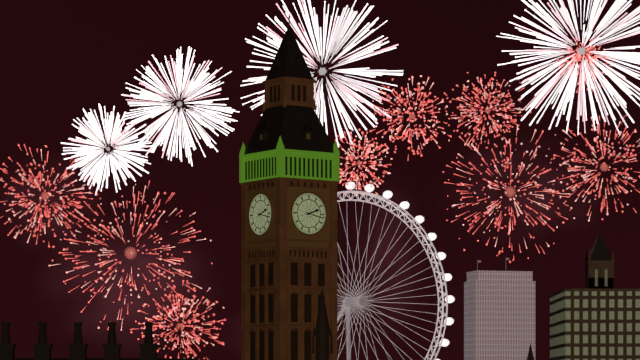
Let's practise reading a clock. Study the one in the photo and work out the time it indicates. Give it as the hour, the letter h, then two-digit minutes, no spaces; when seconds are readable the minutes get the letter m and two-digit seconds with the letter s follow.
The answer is 2h17
